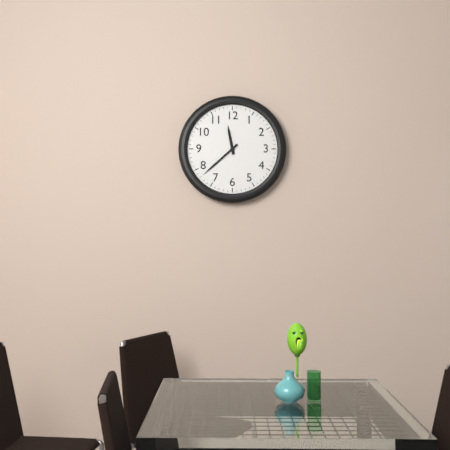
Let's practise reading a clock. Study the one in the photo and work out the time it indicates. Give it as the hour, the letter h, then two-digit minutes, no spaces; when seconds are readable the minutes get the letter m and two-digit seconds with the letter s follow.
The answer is 11h38
